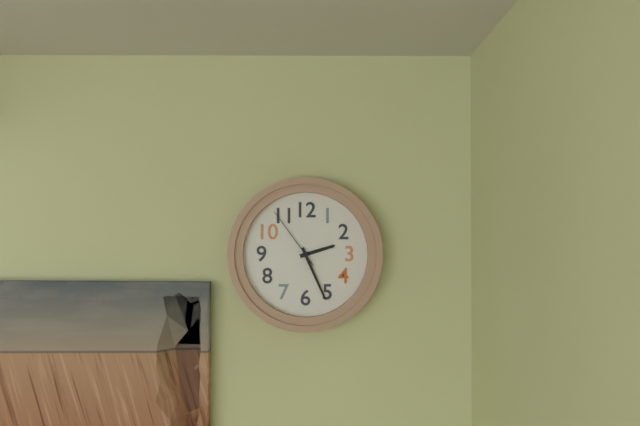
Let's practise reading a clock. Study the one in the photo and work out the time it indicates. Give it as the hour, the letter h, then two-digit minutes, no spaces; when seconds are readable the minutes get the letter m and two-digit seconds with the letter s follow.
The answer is 2h26m54s
